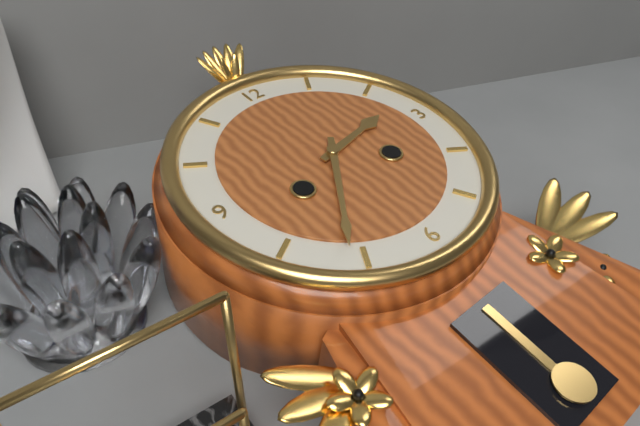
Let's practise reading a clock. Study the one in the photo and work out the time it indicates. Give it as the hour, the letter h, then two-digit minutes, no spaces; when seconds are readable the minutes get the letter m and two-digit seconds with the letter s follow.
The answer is 2h36
